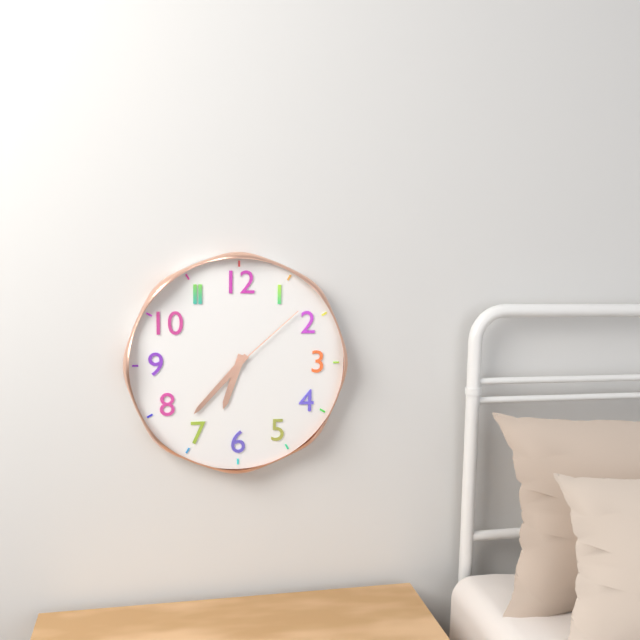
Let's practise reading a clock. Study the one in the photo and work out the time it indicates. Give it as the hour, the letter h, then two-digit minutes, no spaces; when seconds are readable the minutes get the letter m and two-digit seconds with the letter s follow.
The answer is 6h37m08s
